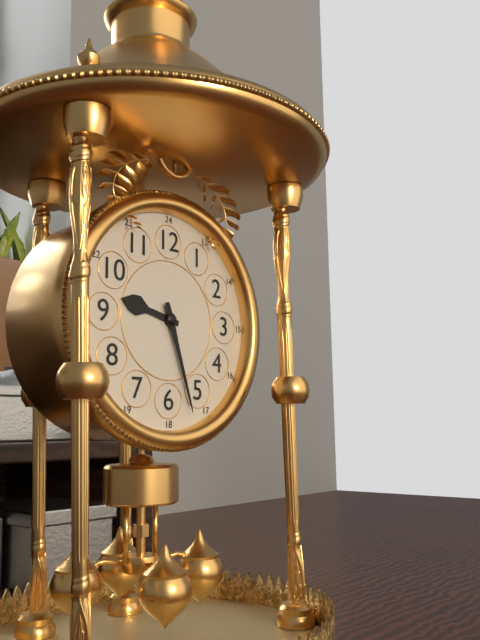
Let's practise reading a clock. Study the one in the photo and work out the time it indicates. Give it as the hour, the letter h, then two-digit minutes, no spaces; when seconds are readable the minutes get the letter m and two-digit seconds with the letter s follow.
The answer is 9h27
